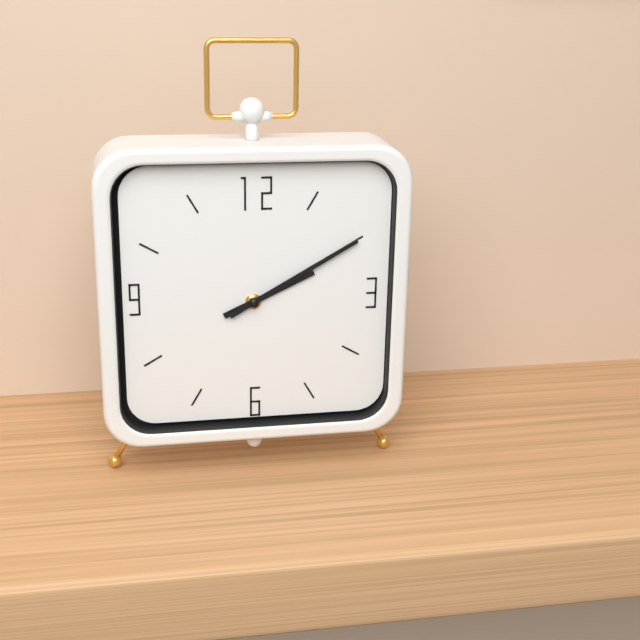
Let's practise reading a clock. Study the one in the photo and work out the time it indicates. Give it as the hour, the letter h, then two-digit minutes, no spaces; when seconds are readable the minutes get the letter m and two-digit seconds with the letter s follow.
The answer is 2h10
